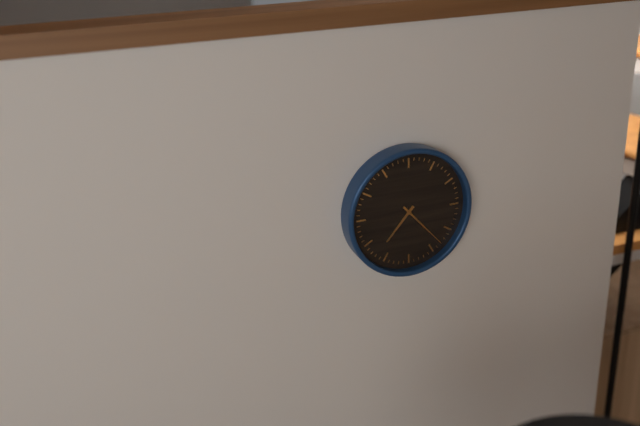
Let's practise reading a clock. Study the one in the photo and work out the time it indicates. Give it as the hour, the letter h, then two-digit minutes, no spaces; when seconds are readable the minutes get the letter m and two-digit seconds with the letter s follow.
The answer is 7h23
